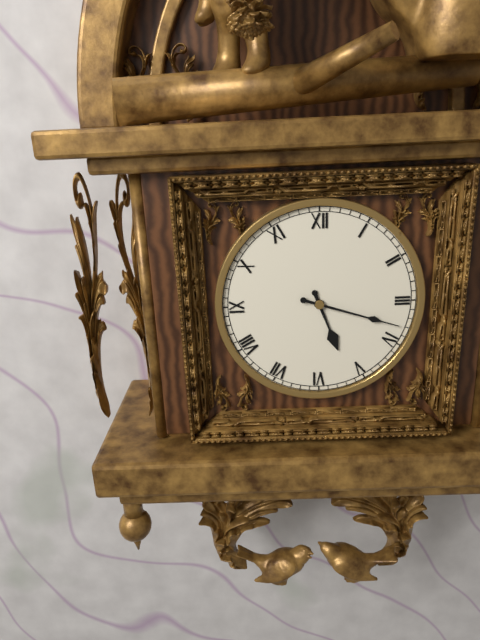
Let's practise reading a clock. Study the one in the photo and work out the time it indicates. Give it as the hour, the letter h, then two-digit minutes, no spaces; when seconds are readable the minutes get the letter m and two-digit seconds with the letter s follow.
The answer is 5h18
